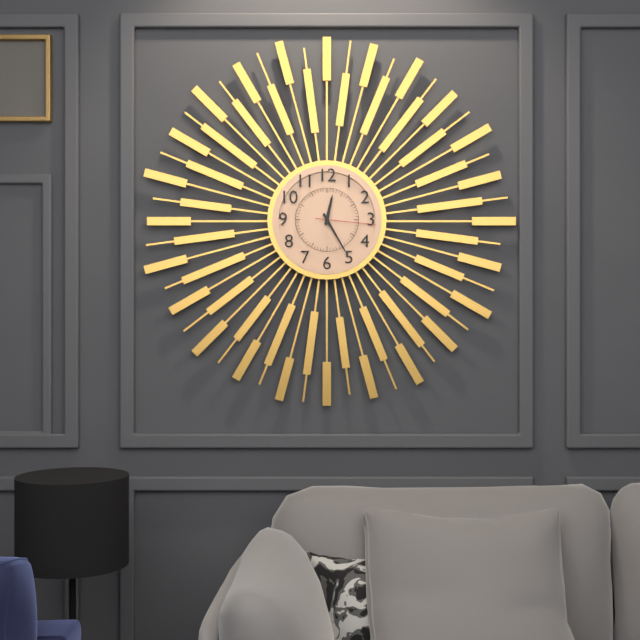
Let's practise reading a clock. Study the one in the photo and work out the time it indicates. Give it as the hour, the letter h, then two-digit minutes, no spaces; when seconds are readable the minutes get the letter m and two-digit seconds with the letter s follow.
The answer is 12h25m16s
